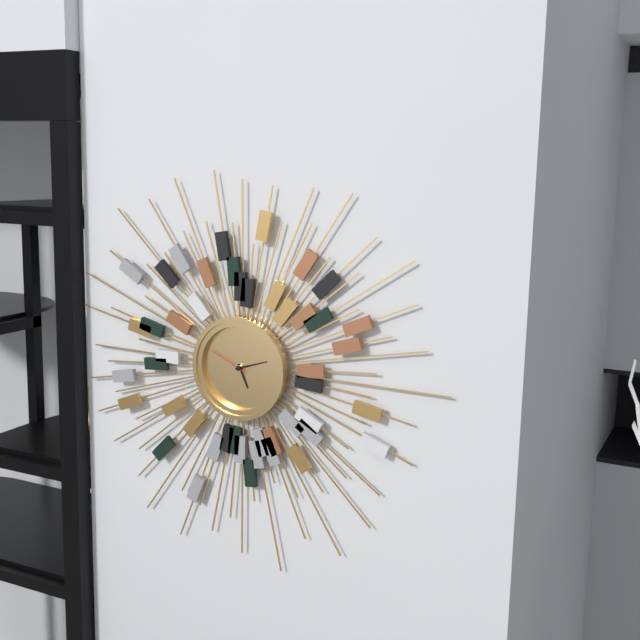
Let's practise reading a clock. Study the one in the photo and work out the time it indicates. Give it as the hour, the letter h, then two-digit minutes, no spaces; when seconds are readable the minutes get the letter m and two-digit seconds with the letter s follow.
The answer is 5h12
